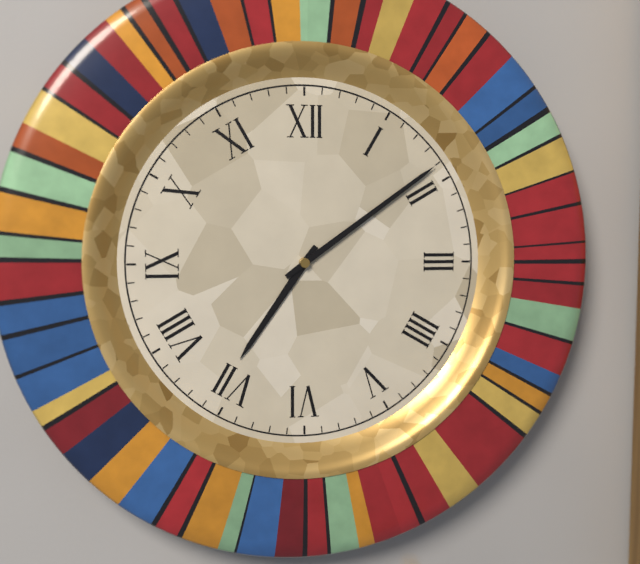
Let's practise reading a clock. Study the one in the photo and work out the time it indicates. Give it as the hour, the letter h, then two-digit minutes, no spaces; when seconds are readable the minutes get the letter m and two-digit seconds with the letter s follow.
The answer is 7h09
